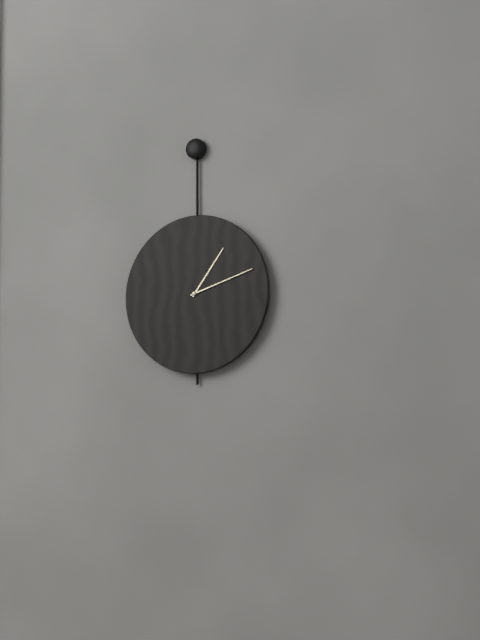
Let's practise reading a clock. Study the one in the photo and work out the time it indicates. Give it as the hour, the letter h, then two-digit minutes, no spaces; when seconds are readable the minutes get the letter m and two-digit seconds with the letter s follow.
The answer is 1h12
